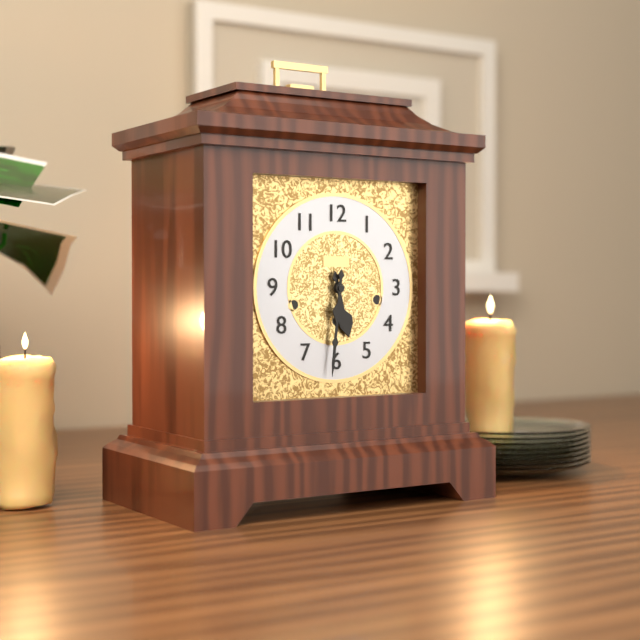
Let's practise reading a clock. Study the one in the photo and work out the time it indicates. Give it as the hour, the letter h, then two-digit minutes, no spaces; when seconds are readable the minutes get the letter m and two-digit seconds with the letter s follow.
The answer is 5h31
